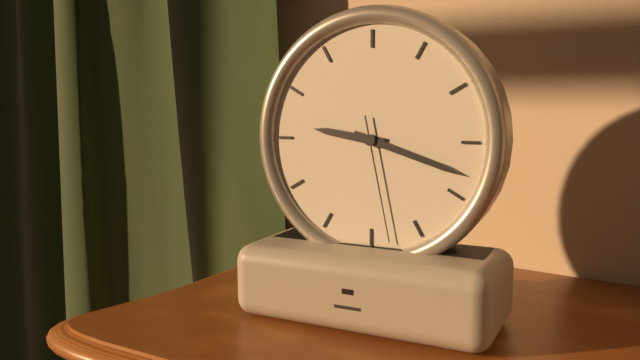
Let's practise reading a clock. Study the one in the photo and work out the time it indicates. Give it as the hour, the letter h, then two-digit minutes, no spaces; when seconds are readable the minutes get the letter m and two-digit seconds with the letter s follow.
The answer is 9h18m28s
